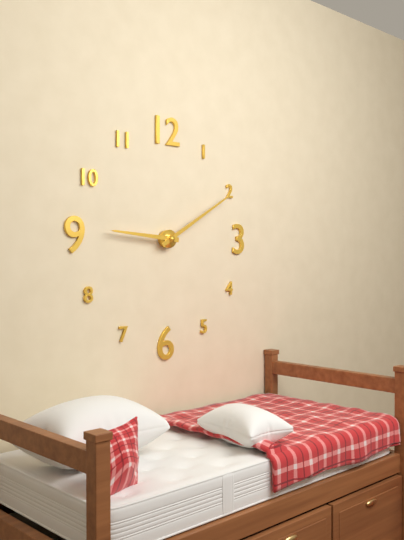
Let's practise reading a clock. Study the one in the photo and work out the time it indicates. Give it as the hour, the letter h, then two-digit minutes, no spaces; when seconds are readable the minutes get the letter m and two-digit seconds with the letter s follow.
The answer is 9h10
